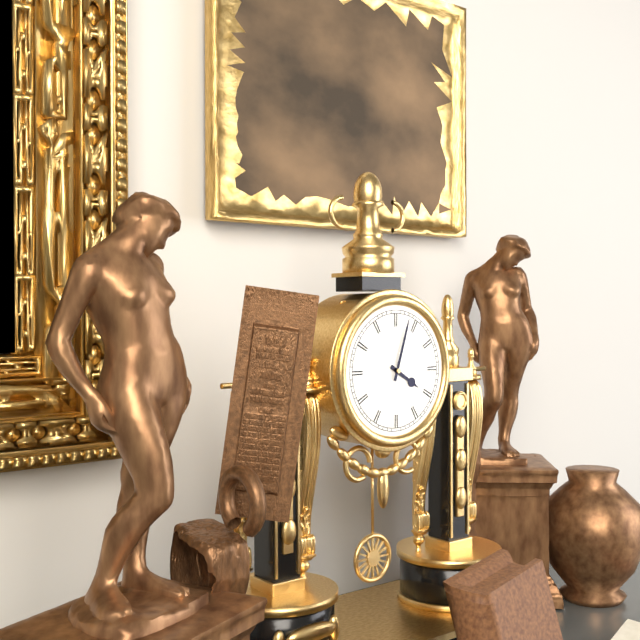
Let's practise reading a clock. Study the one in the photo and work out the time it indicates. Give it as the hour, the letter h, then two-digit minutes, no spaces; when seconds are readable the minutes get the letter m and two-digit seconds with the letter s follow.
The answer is 4h03
